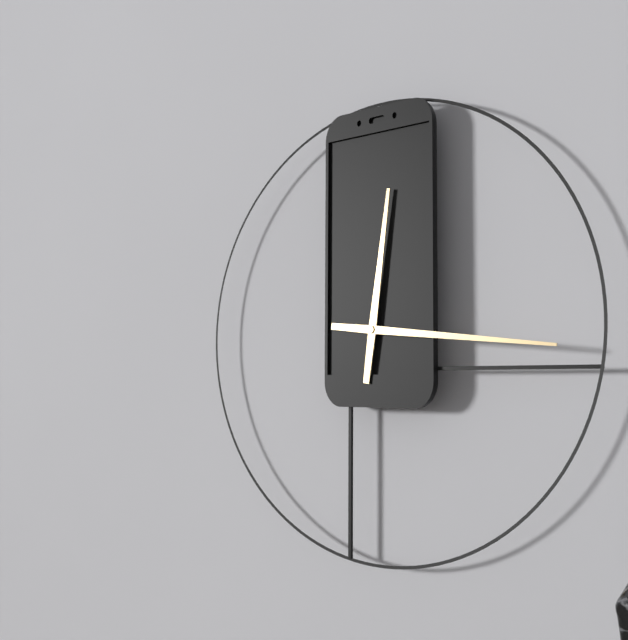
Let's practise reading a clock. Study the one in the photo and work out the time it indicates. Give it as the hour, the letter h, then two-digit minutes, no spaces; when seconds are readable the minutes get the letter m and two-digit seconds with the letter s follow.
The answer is 12h16
